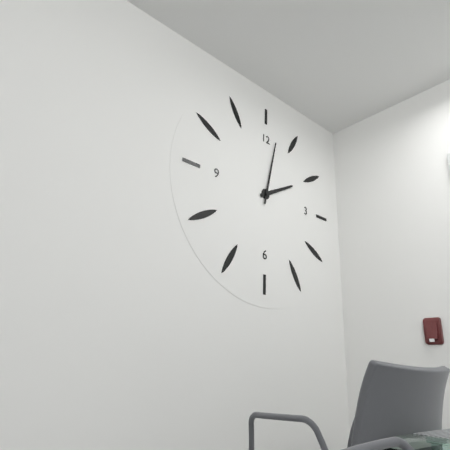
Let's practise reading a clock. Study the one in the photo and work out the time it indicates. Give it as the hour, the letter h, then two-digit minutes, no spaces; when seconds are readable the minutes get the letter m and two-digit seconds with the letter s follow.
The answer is 2h02
